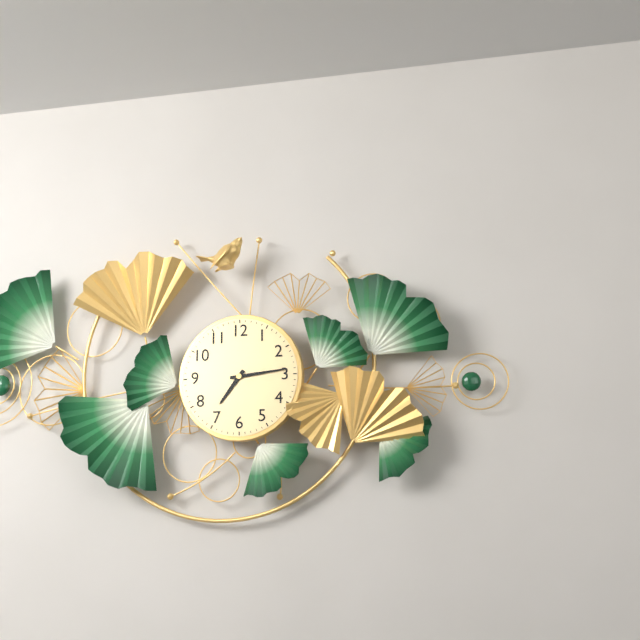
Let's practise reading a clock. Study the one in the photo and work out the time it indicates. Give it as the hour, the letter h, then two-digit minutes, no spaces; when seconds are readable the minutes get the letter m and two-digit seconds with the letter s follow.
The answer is 7h14
